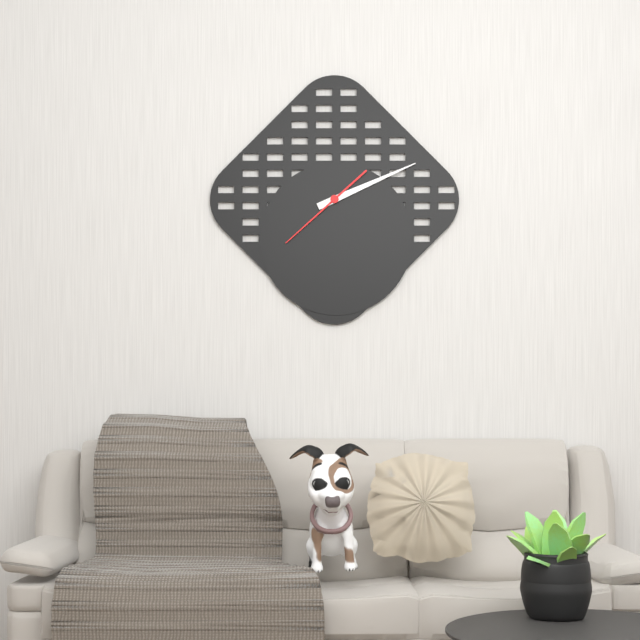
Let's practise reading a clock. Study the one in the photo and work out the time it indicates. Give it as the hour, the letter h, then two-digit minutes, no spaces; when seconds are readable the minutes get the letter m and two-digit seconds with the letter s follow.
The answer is 2h11m38s
